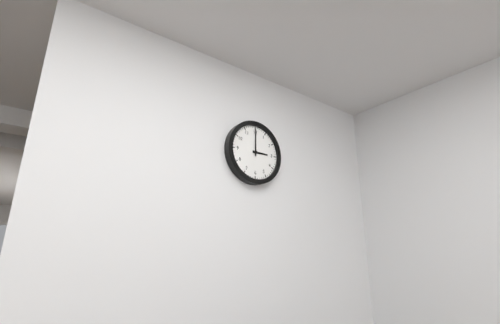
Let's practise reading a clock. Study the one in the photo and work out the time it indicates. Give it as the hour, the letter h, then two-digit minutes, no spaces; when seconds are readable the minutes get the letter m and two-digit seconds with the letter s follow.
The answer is 3h00
